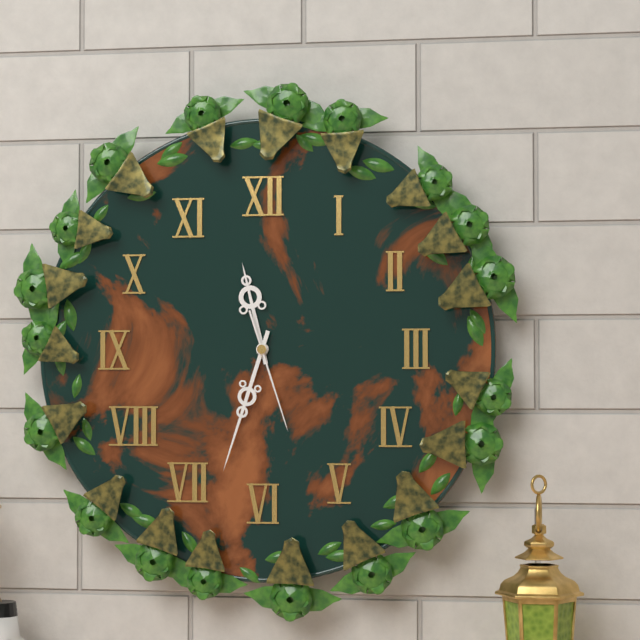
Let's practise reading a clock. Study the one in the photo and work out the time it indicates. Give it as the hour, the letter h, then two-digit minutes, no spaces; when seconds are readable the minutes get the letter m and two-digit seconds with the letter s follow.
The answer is 11h33m27s
